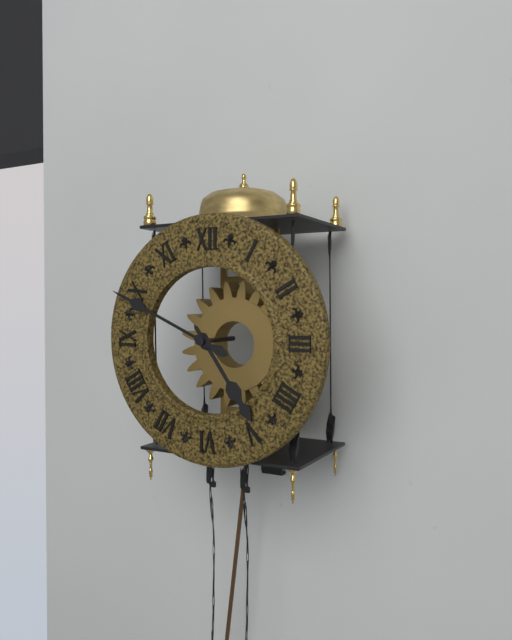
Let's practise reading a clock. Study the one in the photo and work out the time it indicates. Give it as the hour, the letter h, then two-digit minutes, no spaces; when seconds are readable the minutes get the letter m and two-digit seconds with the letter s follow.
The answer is 4h49
